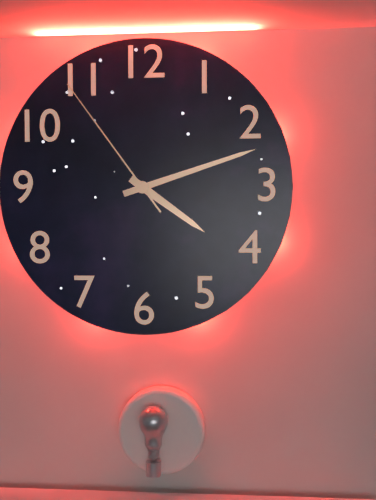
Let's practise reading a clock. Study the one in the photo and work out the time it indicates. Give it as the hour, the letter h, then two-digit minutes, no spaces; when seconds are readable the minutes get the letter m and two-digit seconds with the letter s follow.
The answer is 4h12m54s
